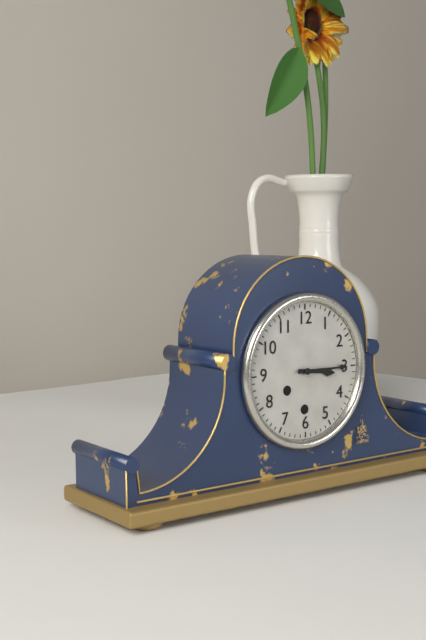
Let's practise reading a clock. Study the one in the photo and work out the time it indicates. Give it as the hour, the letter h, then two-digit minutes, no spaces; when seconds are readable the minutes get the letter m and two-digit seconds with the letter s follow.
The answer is 3h15
